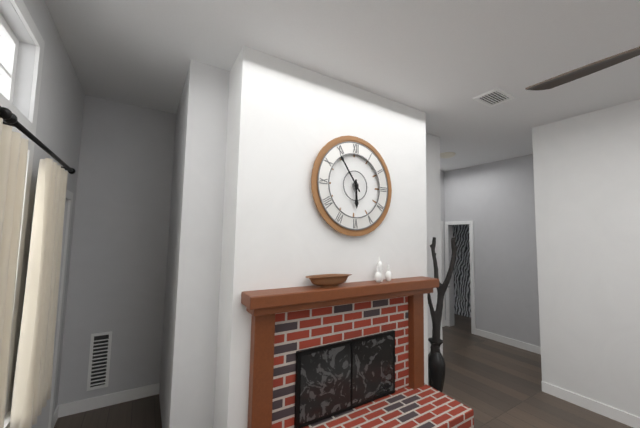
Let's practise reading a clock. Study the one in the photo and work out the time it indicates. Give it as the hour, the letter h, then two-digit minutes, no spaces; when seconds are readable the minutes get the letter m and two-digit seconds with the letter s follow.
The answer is 5h54
